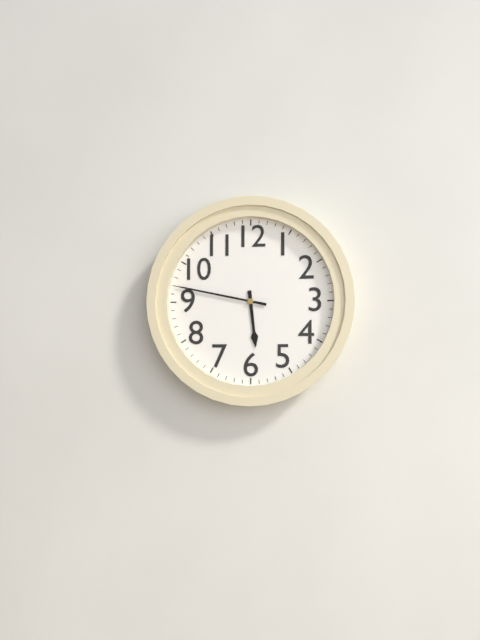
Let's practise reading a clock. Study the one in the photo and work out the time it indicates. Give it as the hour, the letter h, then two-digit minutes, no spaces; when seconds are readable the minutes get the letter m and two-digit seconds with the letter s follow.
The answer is 5h47
